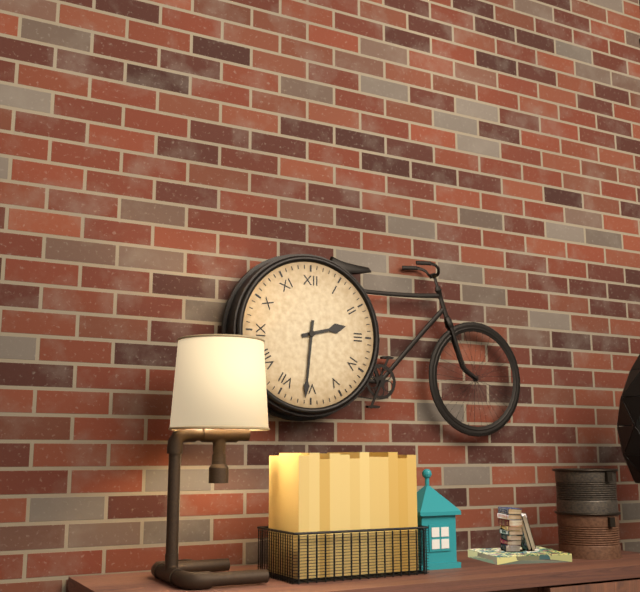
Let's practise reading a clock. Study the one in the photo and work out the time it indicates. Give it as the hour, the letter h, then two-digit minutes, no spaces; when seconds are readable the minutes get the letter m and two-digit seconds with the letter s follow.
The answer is 2h31
